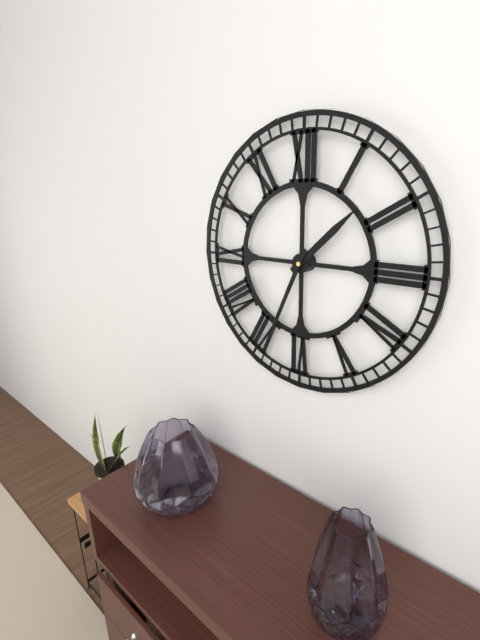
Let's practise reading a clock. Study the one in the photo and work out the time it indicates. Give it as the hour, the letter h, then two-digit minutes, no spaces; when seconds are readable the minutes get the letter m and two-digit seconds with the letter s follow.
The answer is 1h34
